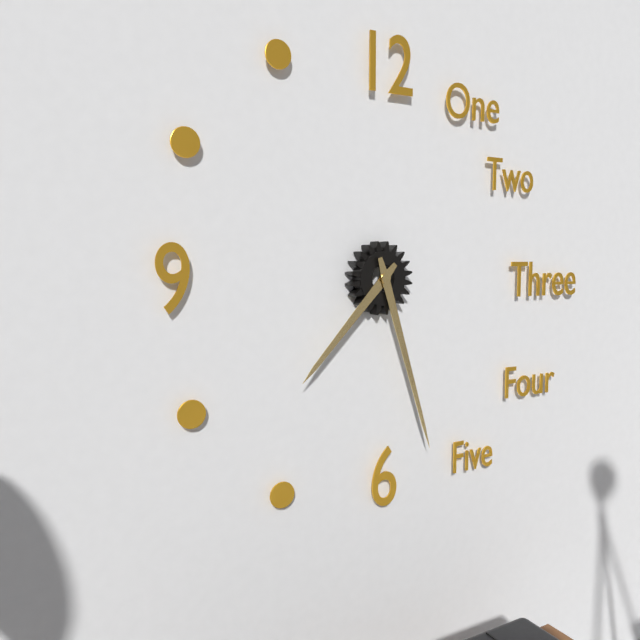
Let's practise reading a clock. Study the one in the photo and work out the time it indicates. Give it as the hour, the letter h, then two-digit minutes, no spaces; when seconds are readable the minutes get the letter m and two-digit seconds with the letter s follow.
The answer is 7h27
